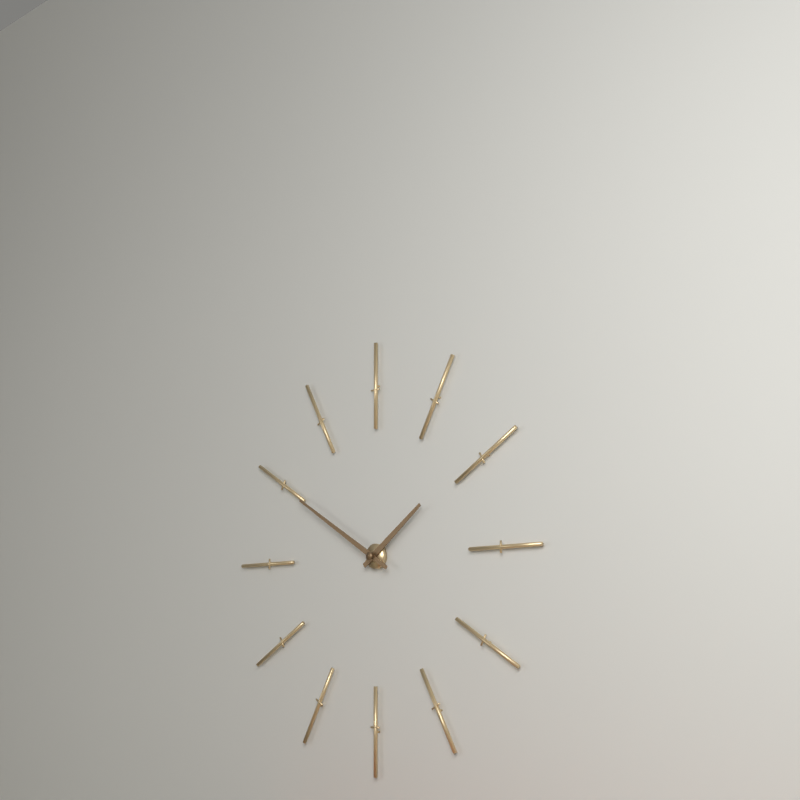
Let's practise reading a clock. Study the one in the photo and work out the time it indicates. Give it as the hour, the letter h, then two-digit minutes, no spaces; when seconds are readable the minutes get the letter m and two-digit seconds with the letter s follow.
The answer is 1h50
